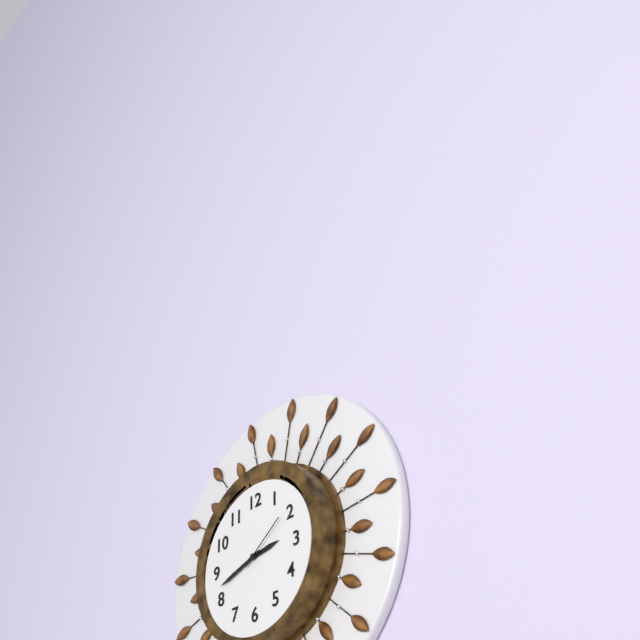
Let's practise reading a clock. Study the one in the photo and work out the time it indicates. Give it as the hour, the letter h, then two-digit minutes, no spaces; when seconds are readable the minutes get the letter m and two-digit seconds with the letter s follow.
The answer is 2h42m09s
